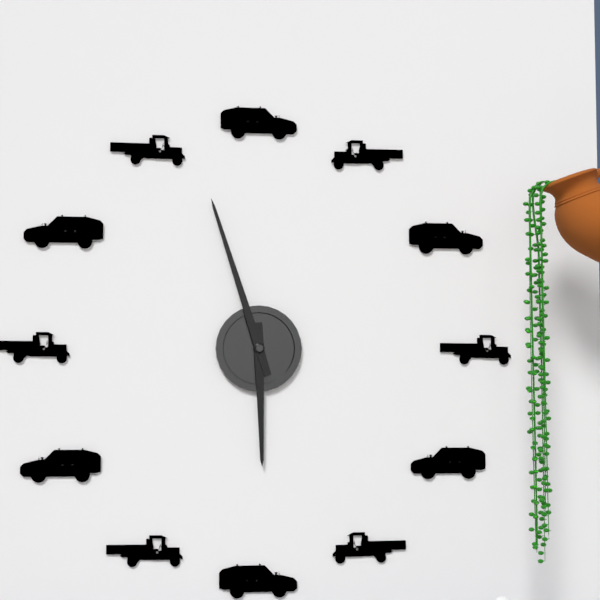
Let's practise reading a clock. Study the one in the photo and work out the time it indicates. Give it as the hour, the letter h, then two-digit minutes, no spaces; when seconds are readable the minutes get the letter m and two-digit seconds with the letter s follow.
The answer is 5h57
